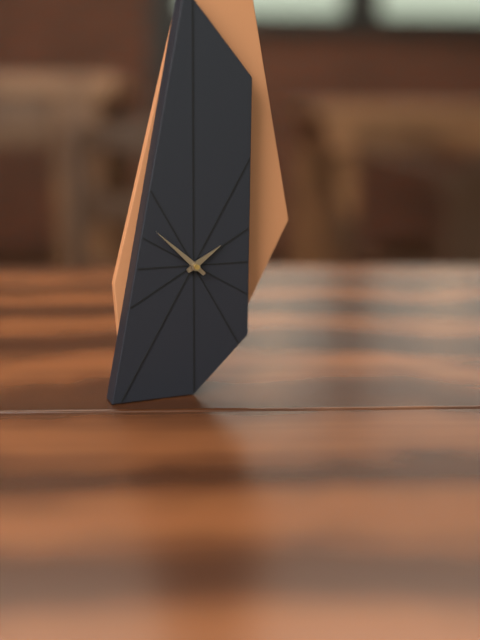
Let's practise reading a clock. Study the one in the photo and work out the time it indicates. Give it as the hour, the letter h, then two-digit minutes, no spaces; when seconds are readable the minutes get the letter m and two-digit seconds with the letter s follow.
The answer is 1h52
